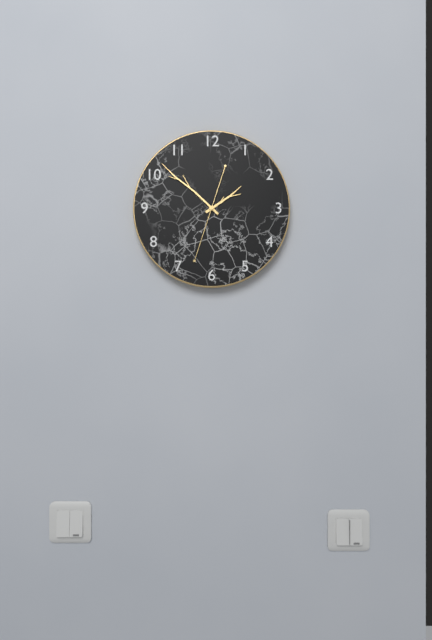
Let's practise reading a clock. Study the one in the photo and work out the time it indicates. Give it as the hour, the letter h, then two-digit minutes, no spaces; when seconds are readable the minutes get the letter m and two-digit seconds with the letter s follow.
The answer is 1h52m33s
